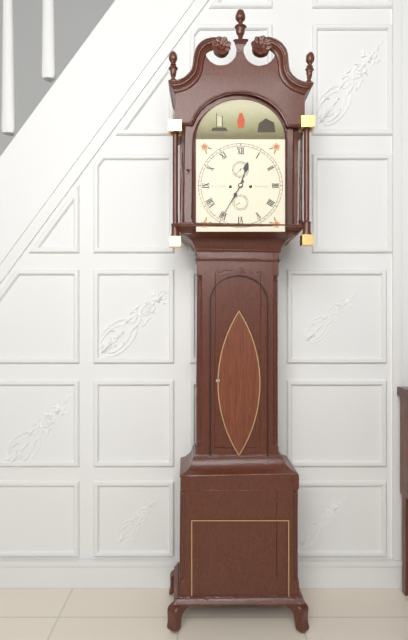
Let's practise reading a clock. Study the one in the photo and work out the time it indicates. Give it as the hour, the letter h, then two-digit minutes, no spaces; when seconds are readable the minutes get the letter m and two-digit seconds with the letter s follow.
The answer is 12h35
